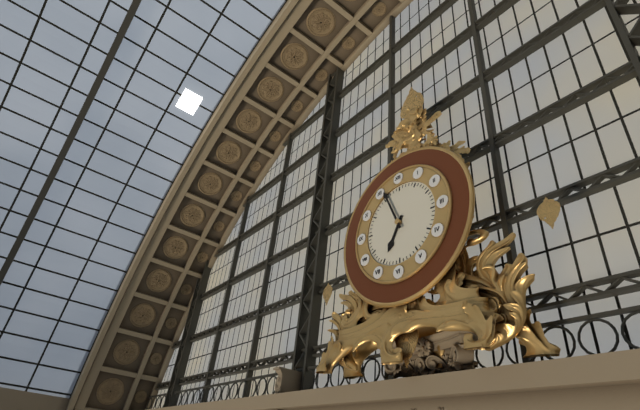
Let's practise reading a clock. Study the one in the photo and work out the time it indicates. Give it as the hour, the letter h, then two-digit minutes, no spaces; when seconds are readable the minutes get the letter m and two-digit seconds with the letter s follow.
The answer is 6h56
